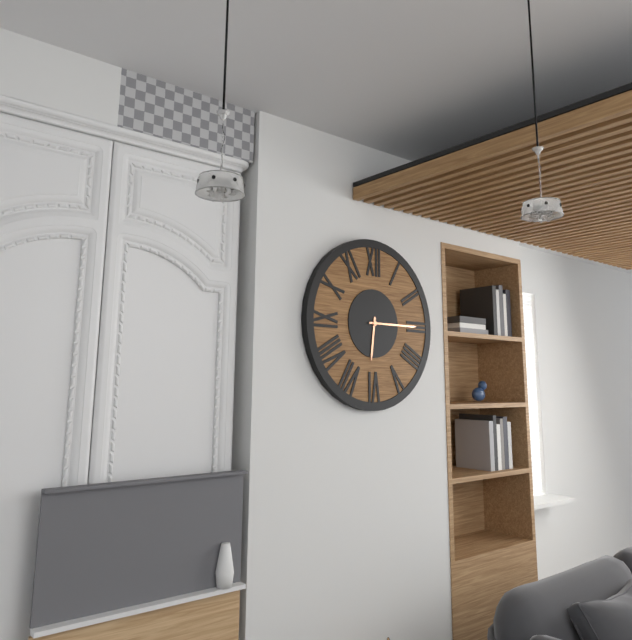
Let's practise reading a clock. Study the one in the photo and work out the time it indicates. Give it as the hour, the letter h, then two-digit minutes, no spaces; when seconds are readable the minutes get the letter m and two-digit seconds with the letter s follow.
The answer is 6h15
